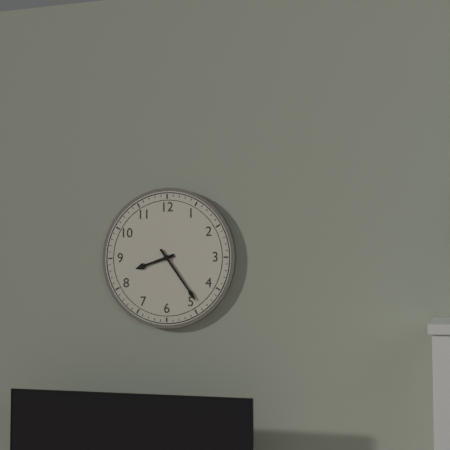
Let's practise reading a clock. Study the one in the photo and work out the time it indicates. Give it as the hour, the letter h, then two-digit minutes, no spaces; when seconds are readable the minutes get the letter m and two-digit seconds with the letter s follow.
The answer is 8h24
